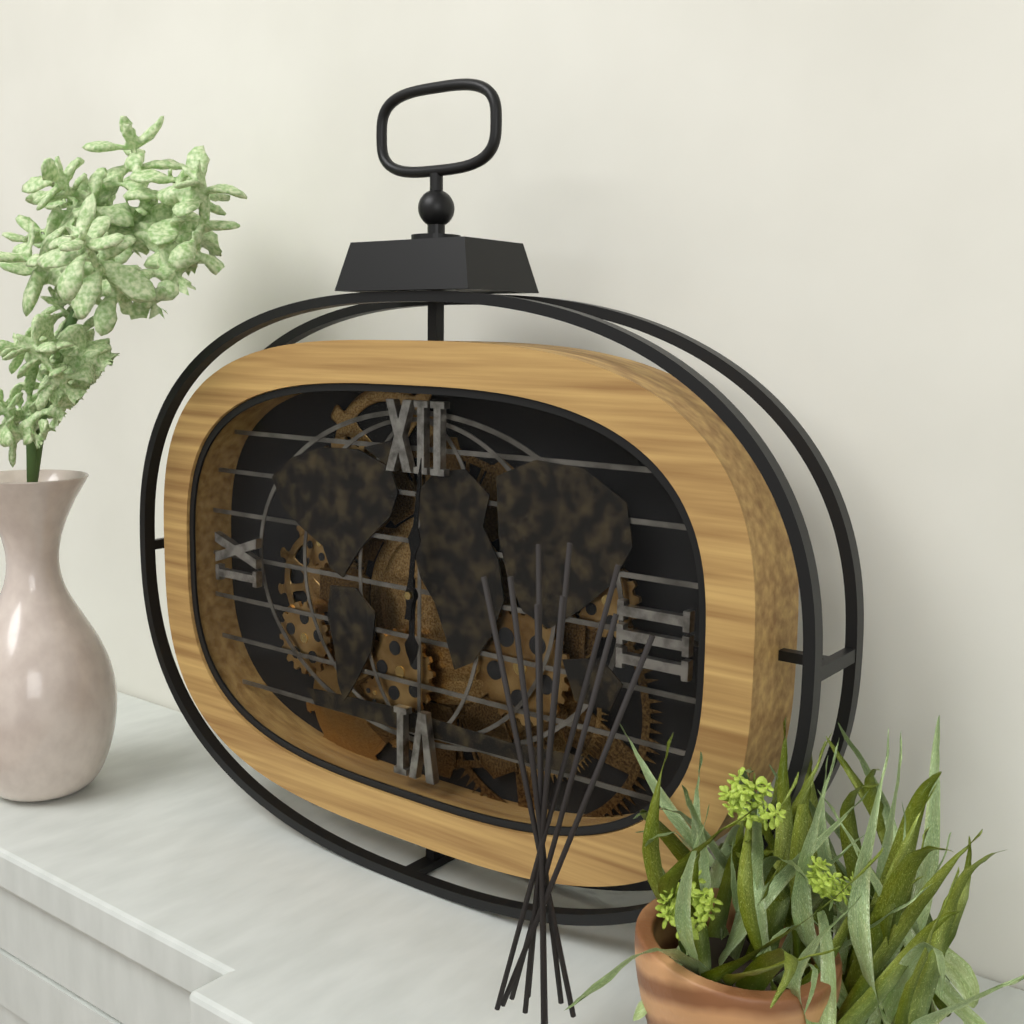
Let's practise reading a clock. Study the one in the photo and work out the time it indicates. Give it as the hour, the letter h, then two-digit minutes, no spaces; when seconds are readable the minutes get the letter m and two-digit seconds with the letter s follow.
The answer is 6h01
